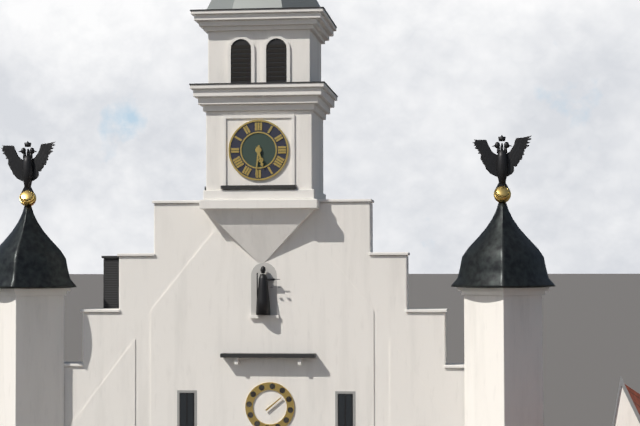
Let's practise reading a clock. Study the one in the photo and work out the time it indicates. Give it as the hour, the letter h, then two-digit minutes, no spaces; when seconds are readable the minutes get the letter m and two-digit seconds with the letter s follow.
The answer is 5h31
